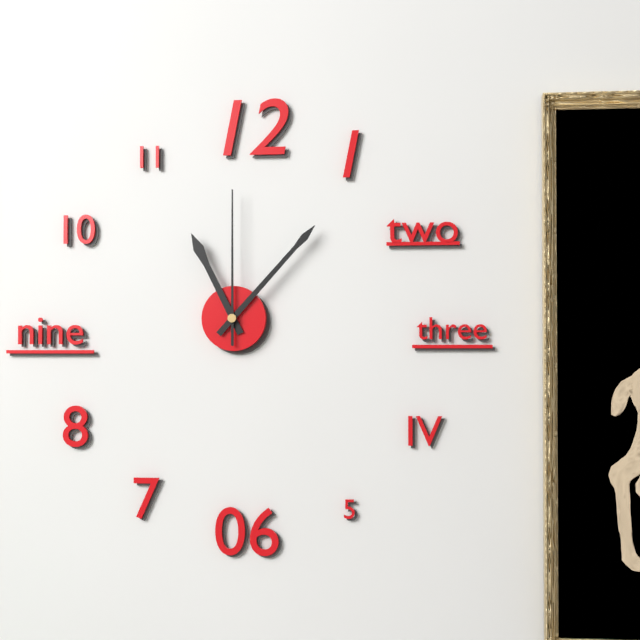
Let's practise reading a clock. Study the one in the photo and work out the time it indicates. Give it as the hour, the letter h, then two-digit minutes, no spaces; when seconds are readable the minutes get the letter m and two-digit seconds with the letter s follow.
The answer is 11h07m00s
